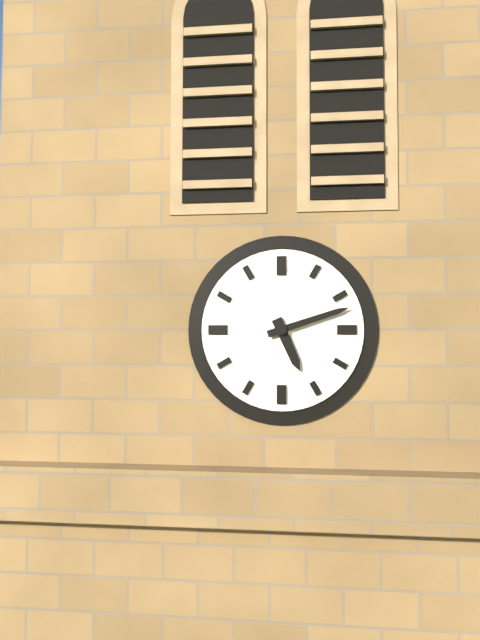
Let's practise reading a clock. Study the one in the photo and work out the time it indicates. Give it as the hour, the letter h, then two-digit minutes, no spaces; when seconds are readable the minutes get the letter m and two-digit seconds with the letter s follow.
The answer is 5h12
